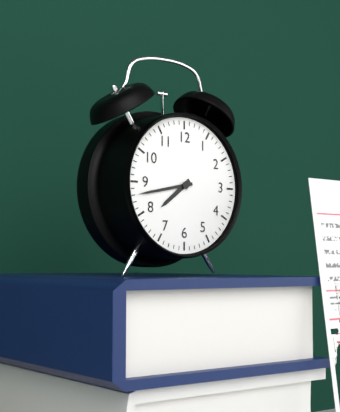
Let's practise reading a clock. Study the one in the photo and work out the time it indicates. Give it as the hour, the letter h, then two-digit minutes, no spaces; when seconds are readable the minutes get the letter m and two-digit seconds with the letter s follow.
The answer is 7h43
